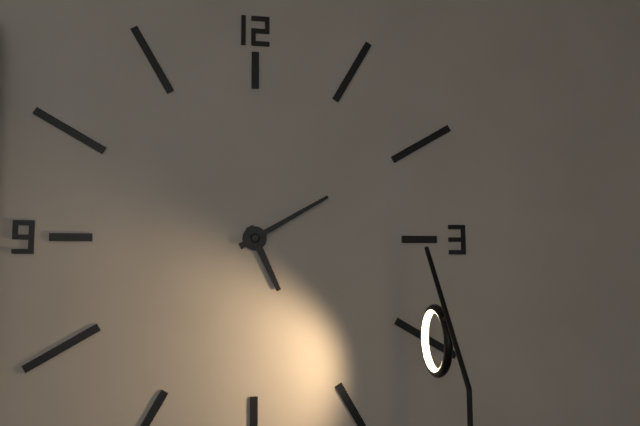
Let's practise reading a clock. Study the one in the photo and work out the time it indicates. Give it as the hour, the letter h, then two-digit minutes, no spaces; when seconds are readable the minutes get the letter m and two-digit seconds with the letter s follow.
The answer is 5h10
